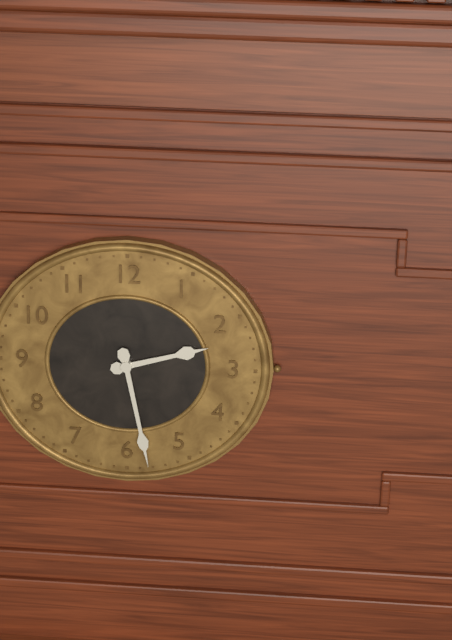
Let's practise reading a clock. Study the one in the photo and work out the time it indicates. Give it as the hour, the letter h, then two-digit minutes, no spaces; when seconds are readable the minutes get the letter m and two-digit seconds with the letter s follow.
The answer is 2h28
